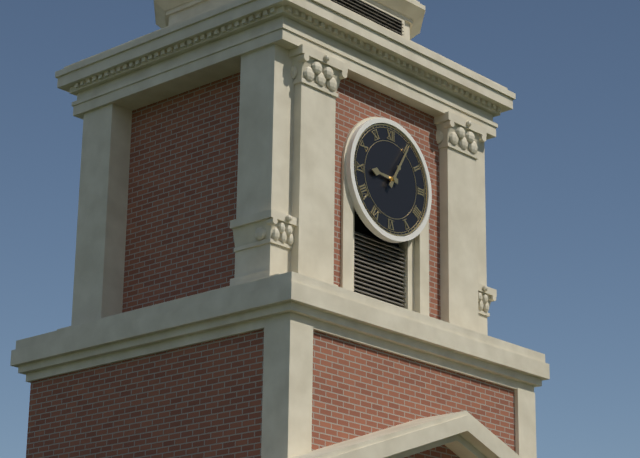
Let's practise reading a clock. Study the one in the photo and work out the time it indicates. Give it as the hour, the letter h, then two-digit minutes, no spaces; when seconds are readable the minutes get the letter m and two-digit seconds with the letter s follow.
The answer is 9h05
